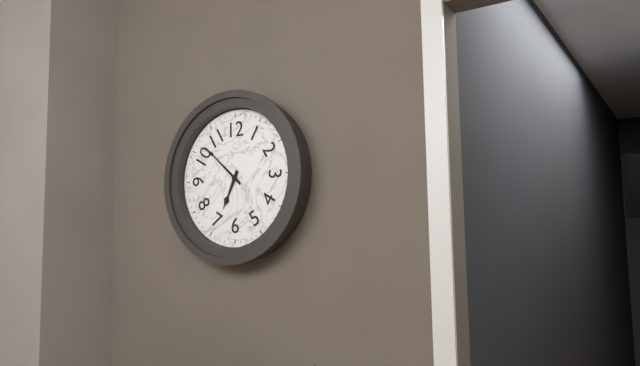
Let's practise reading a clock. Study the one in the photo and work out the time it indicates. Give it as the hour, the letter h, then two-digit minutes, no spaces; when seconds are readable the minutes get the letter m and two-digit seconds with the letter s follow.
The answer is 6h52
